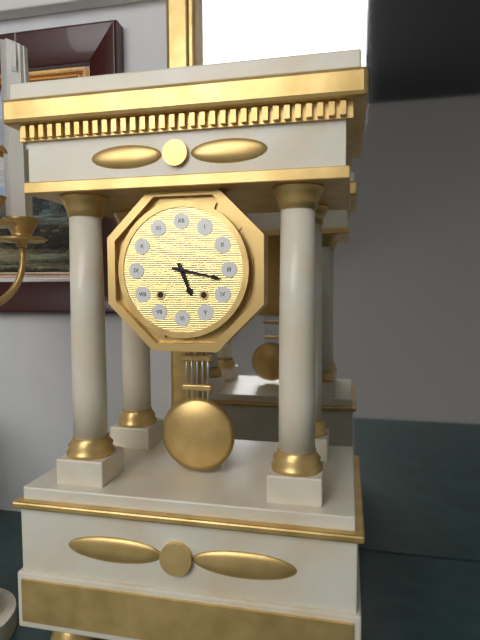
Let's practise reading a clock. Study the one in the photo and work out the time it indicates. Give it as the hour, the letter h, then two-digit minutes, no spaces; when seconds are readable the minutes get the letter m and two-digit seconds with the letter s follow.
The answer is 5h17
